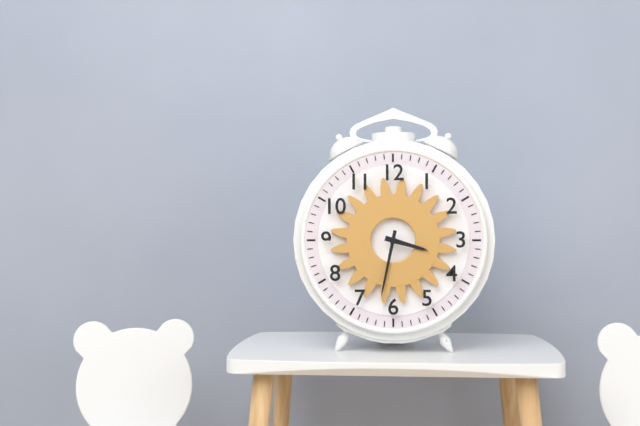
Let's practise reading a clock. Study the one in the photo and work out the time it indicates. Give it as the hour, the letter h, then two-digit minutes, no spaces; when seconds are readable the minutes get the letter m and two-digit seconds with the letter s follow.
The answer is 3h32
